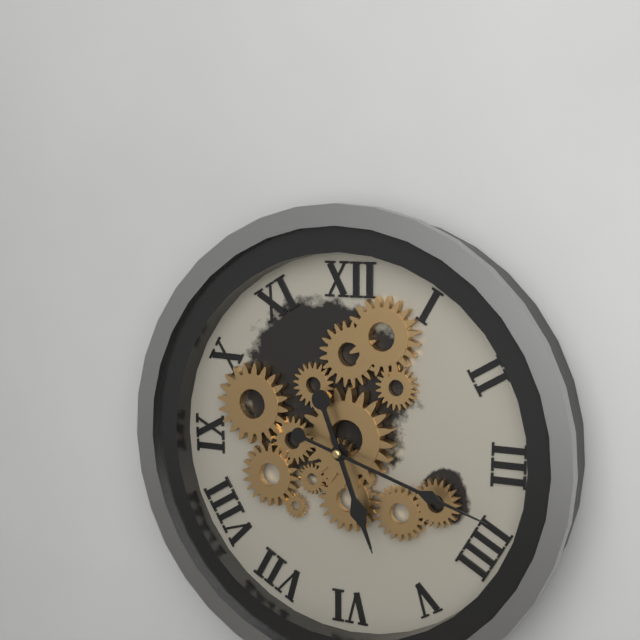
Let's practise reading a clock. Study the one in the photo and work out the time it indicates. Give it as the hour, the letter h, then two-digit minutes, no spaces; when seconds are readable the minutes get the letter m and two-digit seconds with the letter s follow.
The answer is 5h18
